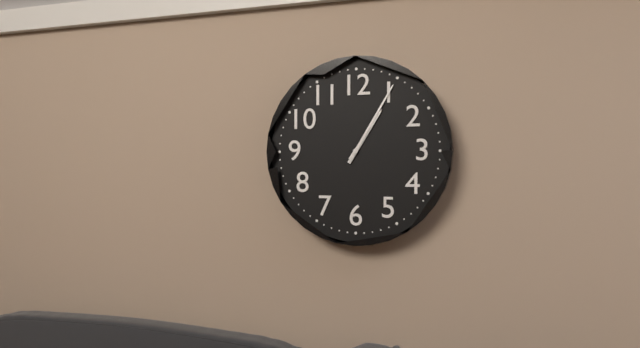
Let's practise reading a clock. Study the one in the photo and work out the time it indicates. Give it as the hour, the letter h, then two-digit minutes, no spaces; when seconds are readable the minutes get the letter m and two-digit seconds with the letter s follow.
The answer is 1h05
